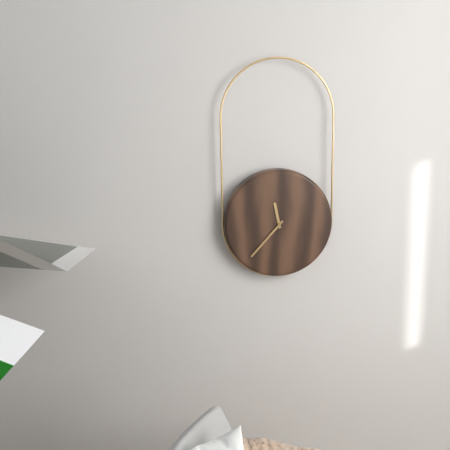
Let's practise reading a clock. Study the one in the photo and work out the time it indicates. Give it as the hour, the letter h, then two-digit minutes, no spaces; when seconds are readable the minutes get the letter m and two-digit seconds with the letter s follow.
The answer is 11h37
